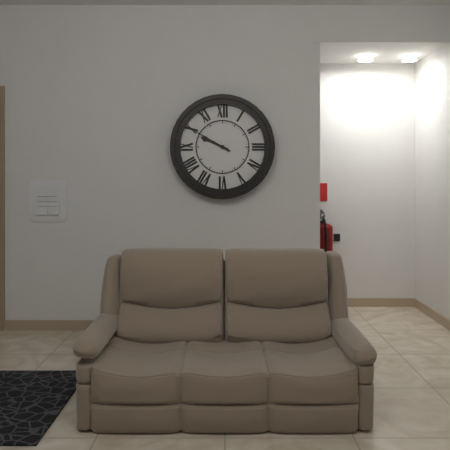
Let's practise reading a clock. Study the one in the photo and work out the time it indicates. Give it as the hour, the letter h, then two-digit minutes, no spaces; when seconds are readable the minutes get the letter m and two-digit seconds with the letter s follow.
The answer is 9h50
